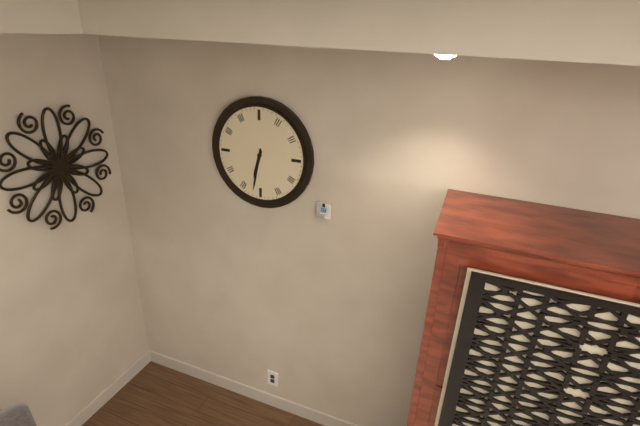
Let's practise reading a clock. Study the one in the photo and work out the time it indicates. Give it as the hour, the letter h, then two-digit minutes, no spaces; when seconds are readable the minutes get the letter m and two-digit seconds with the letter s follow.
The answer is 6h32
